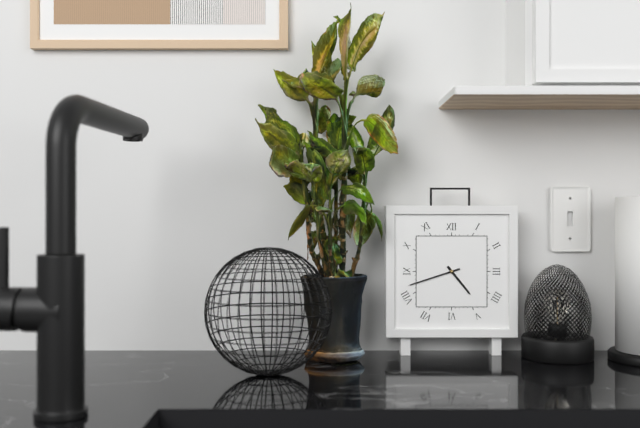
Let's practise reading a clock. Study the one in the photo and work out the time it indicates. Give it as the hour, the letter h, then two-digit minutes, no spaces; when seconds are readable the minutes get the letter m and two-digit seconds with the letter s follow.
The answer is 4h42
